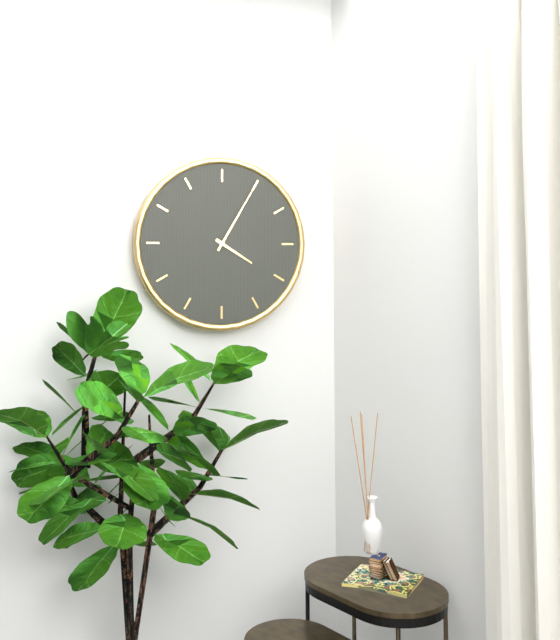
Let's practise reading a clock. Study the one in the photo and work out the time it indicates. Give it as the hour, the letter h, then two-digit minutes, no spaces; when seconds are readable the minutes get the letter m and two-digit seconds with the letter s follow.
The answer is 4h05
